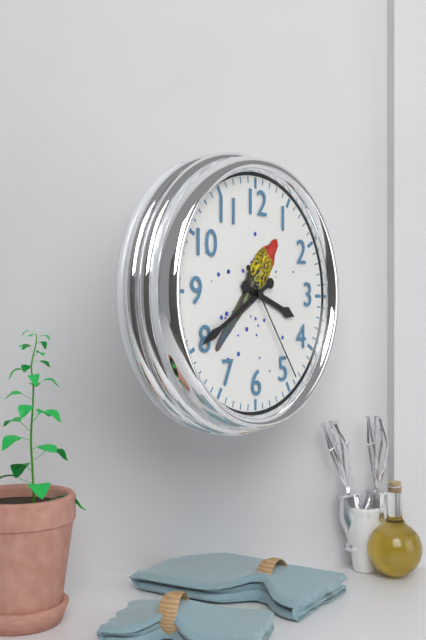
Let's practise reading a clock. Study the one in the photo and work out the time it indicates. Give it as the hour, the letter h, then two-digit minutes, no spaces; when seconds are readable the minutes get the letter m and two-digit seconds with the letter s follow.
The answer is 3h40m24s
